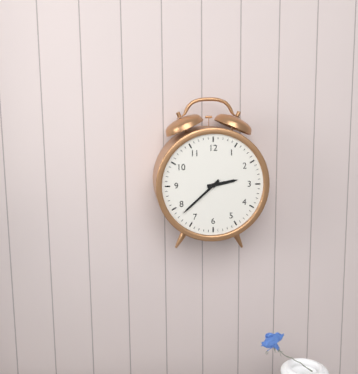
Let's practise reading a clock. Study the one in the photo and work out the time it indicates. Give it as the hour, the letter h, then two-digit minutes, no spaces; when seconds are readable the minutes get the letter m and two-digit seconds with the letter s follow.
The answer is 2h38
